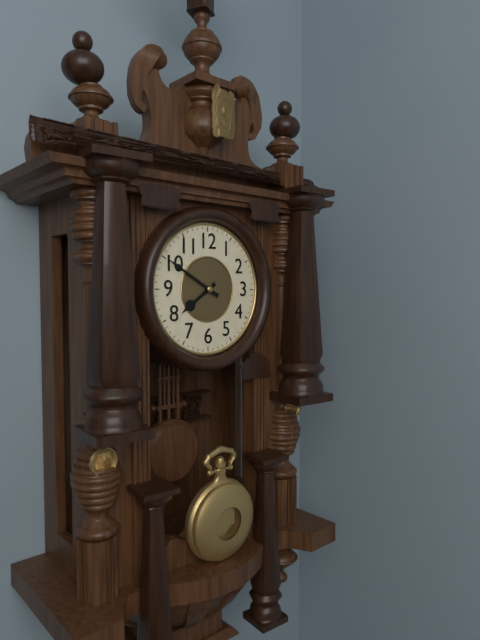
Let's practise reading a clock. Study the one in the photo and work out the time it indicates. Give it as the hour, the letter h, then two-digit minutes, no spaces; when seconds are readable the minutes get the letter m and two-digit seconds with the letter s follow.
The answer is 7h50
